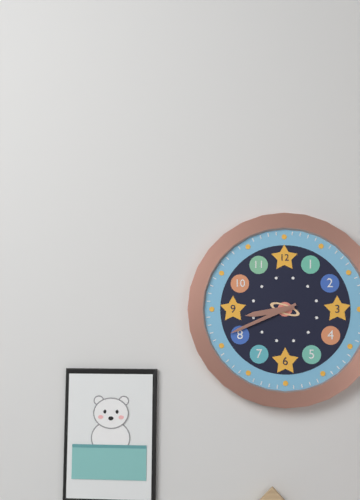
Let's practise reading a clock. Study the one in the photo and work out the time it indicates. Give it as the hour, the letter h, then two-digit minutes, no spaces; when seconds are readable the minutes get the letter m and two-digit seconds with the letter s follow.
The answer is 8h41
